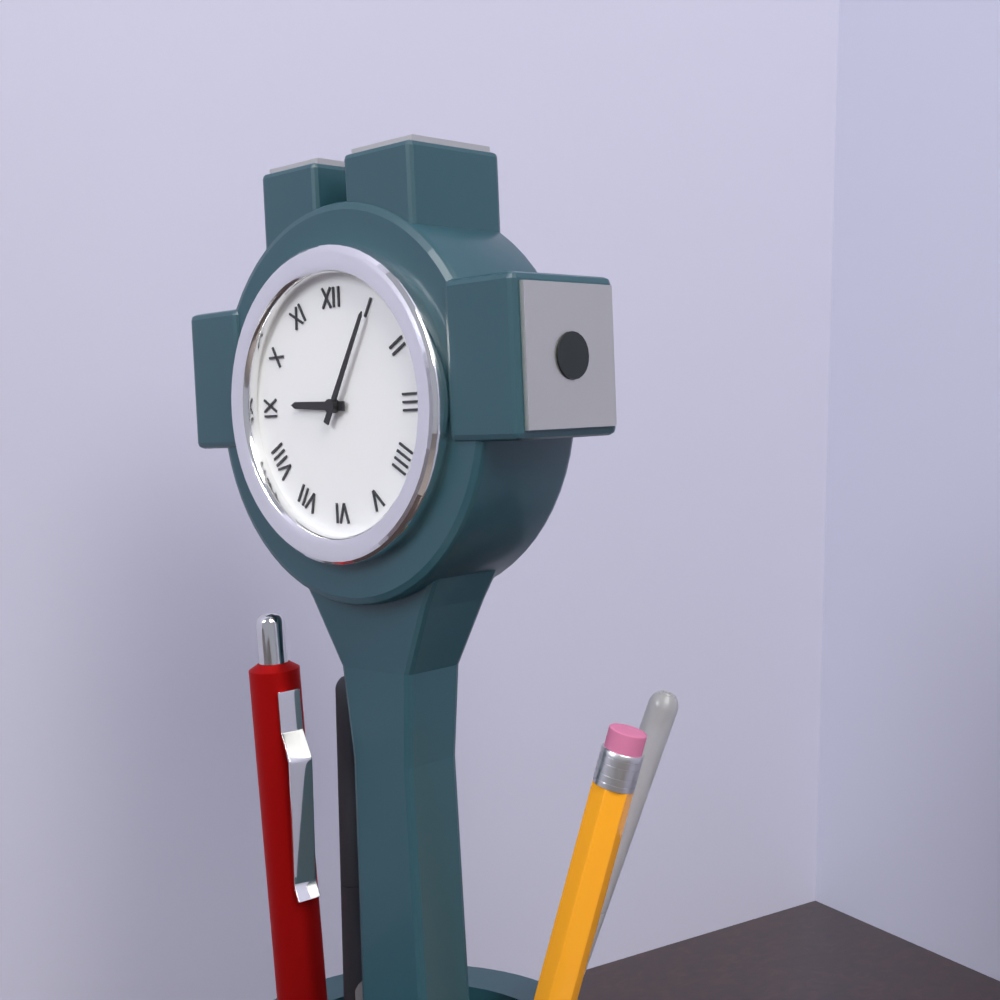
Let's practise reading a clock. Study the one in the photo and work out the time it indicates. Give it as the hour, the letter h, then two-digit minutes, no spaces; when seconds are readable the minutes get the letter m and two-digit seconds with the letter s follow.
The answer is 9h05
